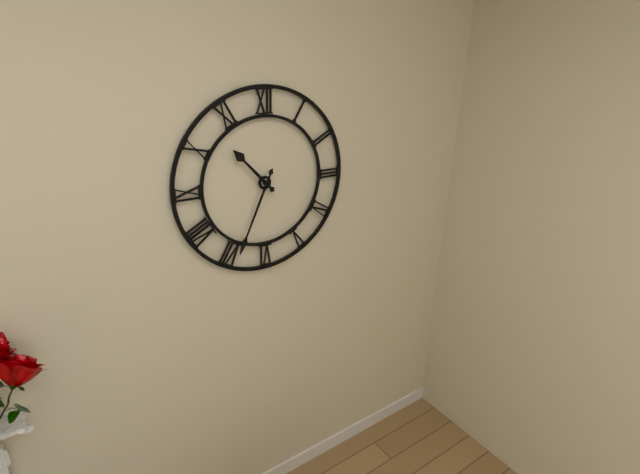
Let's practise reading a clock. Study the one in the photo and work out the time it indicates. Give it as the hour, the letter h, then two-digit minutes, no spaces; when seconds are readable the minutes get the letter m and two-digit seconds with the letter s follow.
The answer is 10h34
